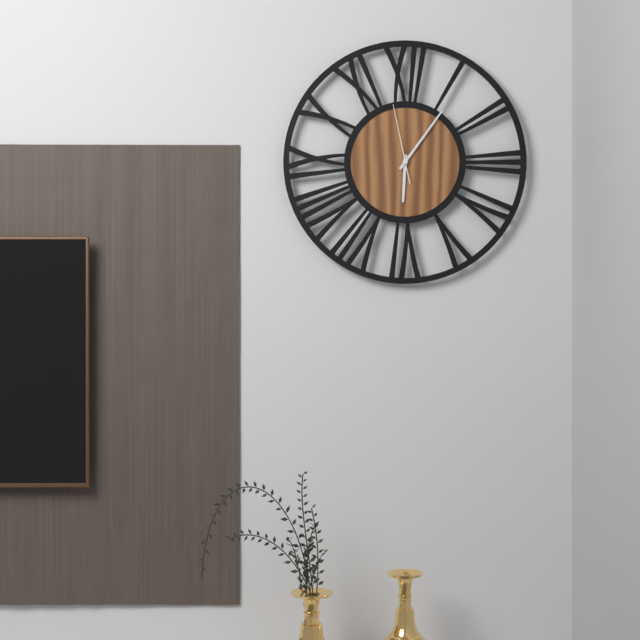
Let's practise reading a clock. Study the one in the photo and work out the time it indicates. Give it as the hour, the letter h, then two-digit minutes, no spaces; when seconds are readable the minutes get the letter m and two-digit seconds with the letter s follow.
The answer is 6h06m58s
